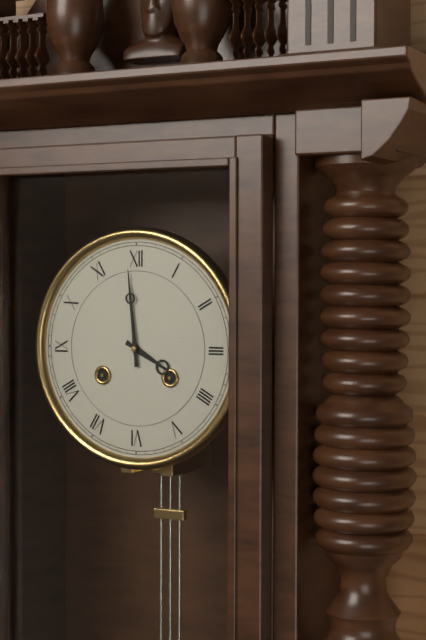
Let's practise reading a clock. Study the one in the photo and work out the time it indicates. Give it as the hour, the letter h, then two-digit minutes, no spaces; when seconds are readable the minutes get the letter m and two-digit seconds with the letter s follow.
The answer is 3h59
